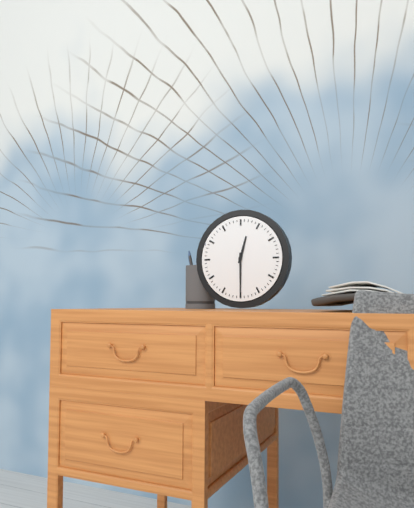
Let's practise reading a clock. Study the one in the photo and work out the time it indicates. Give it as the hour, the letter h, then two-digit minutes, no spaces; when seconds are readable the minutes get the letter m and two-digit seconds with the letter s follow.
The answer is 12h30
